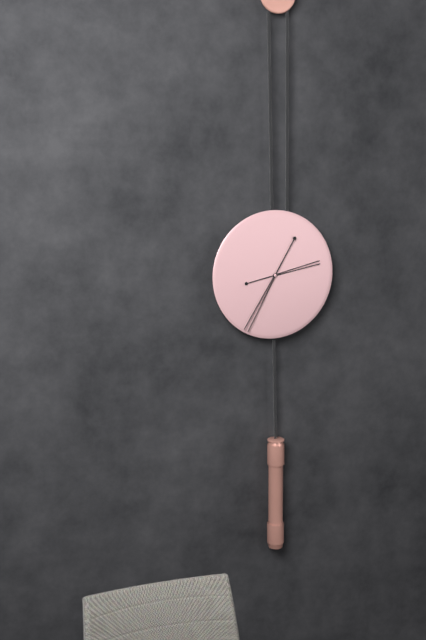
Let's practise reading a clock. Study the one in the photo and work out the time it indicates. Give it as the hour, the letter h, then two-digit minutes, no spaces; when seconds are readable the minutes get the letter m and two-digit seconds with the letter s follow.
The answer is 2h35
